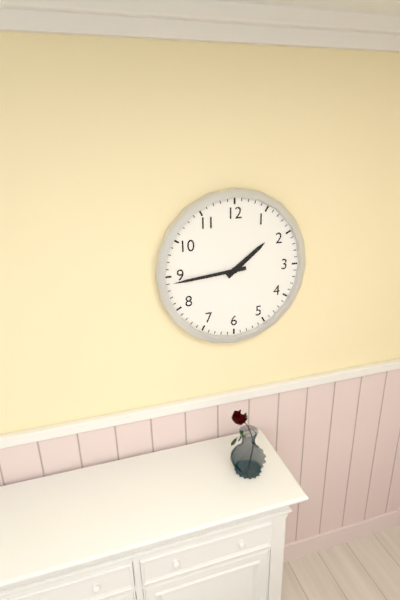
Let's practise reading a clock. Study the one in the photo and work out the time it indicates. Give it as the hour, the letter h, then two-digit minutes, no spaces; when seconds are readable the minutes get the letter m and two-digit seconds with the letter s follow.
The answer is 1h44
